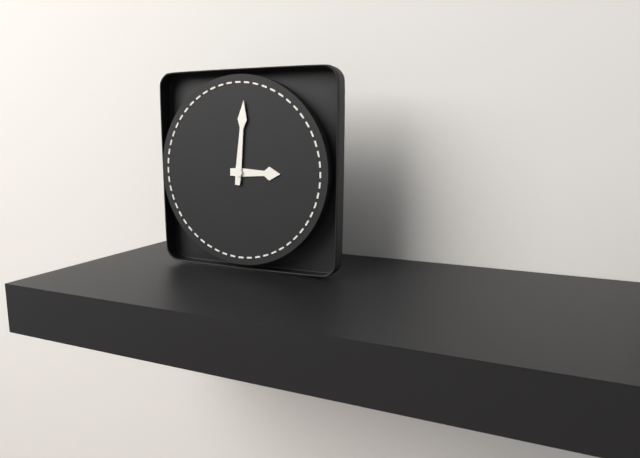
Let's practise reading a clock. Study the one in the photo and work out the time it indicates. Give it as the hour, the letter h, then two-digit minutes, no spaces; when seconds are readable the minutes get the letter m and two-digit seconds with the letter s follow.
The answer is 3h01
